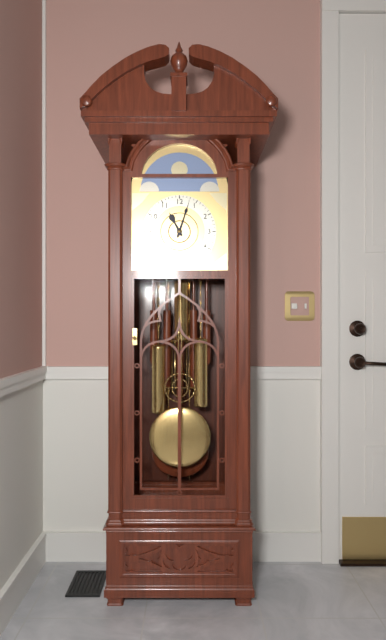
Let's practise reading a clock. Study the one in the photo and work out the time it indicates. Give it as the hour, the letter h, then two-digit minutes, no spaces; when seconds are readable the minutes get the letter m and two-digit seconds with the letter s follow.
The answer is 11h03
